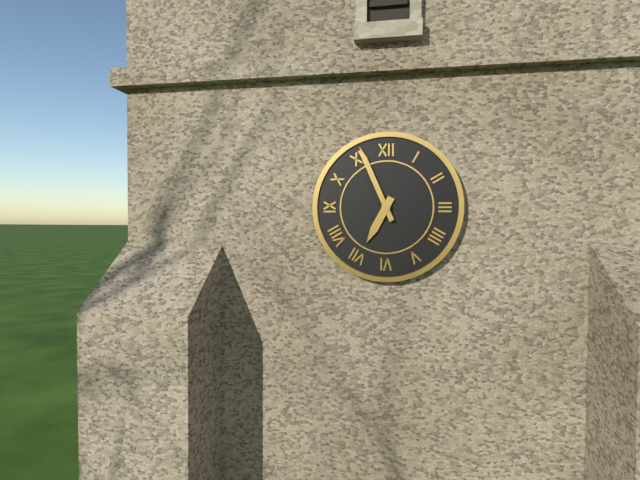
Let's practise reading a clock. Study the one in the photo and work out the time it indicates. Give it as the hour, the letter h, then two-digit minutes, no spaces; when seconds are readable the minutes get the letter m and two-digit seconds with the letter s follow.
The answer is 6h56
